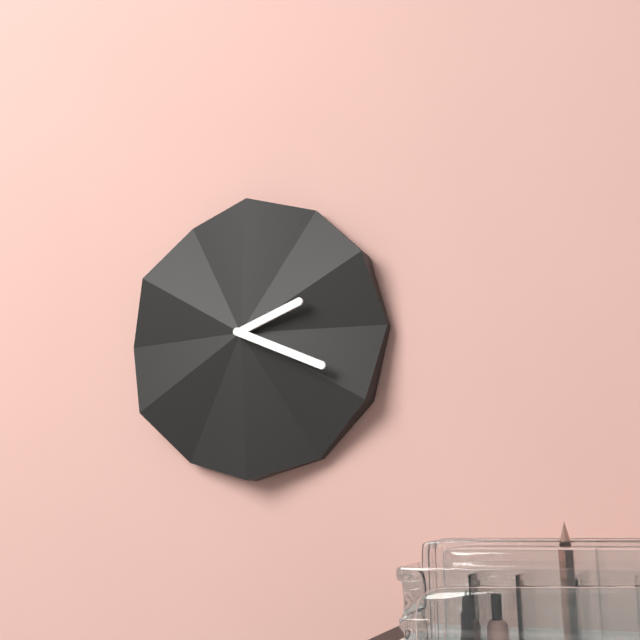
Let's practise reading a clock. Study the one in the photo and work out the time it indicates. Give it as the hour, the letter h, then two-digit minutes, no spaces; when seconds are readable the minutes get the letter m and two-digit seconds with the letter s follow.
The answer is 2h19
